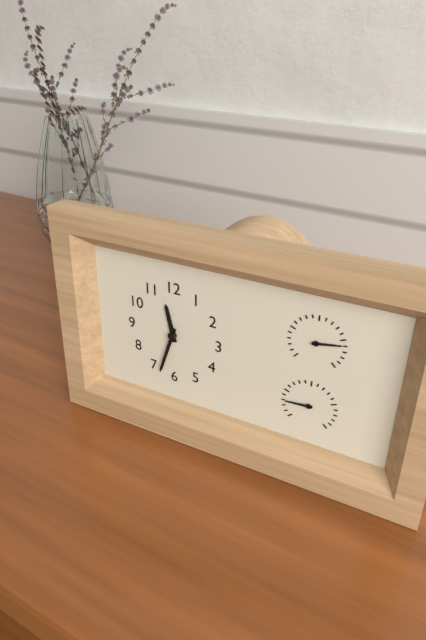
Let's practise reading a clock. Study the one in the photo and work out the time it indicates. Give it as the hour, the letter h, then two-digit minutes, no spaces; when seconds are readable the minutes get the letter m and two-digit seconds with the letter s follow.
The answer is 11h33
